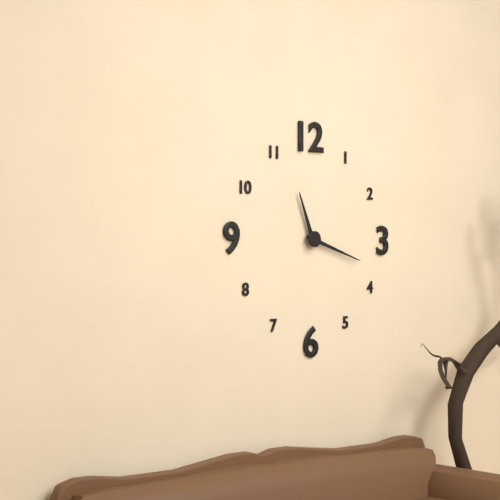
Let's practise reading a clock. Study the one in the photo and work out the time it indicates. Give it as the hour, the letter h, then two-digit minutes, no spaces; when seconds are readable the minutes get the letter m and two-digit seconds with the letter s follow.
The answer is 11h18
